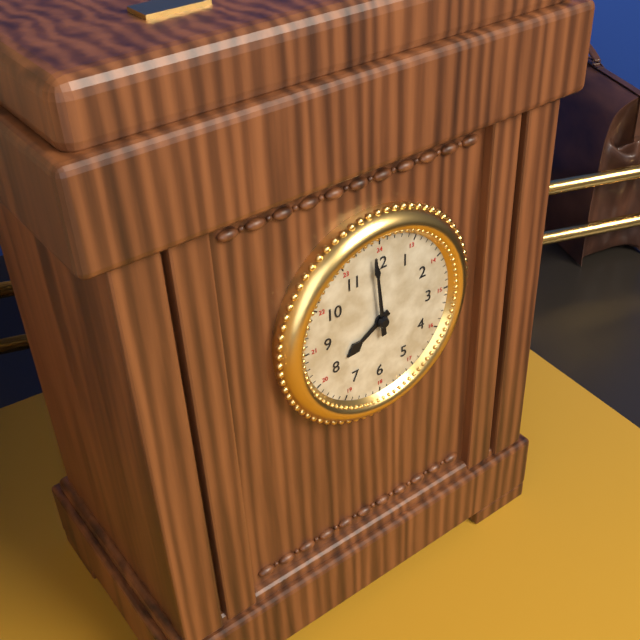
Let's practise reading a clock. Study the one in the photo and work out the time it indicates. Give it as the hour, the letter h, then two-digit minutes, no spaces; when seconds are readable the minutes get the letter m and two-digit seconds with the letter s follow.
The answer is 7h59
